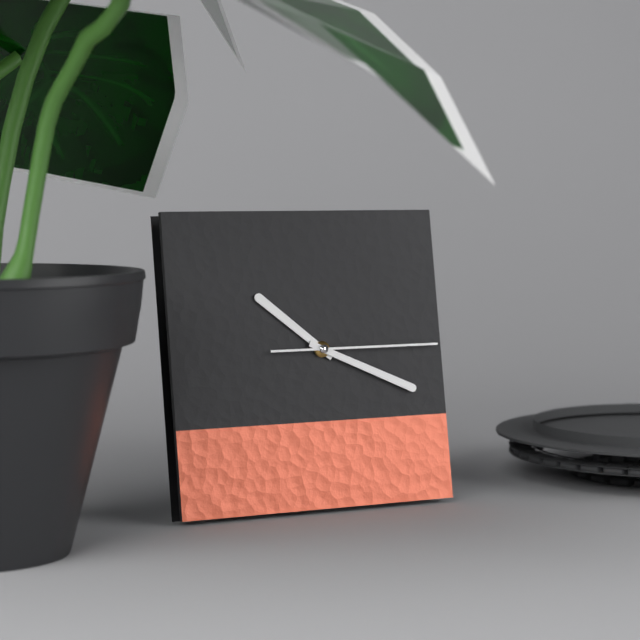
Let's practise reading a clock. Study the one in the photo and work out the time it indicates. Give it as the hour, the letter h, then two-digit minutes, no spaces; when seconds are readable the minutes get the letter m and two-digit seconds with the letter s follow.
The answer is 10h19m15s
